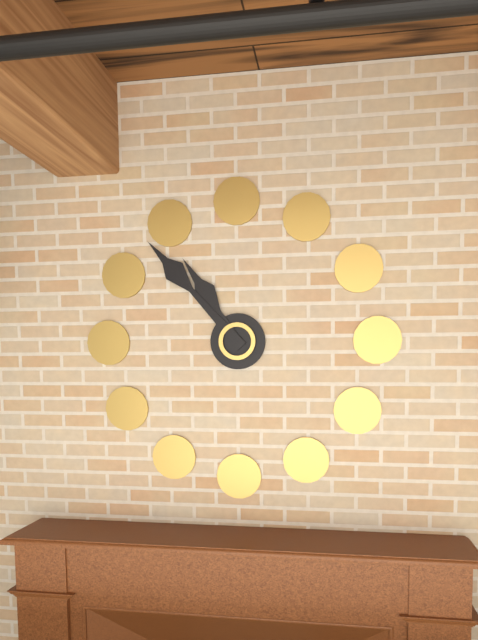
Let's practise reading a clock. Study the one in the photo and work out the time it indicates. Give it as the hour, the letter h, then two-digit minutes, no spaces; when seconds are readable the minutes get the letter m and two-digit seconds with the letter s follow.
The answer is 10h53
